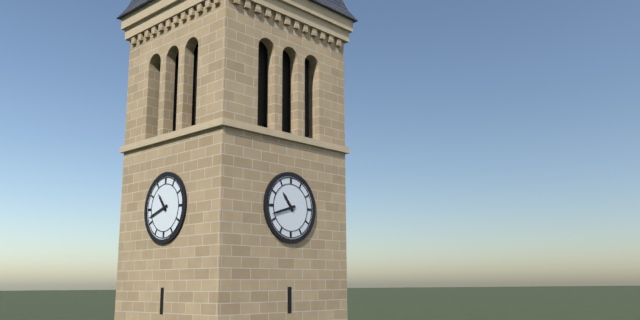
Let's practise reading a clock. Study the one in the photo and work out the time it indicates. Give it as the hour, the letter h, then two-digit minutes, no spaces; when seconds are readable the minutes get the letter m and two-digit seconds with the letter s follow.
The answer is 10h42
